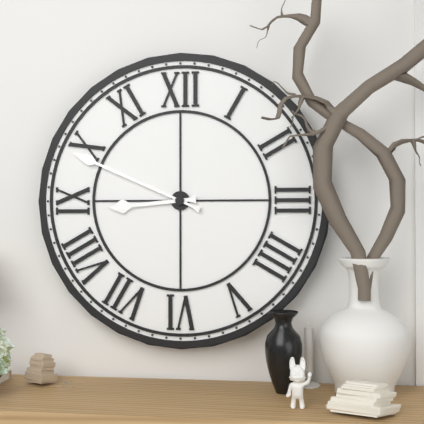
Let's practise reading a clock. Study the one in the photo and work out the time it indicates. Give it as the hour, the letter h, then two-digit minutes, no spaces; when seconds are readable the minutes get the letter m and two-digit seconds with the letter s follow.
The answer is 8h49
